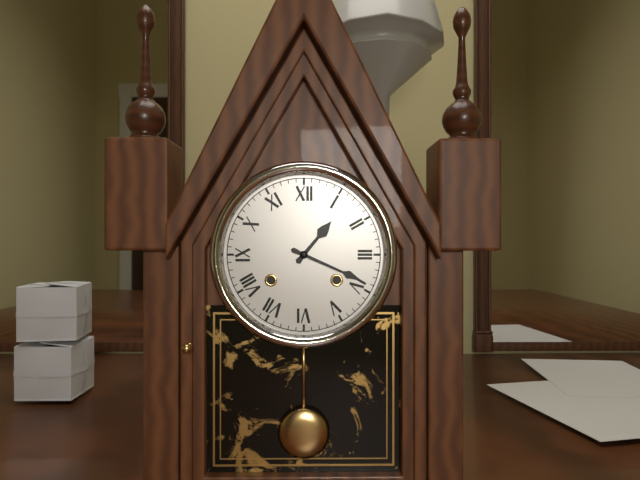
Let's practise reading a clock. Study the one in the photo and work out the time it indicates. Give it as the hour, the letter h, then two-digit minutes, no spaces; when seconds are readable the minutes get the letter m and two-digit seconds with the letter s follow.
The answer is 1h19
